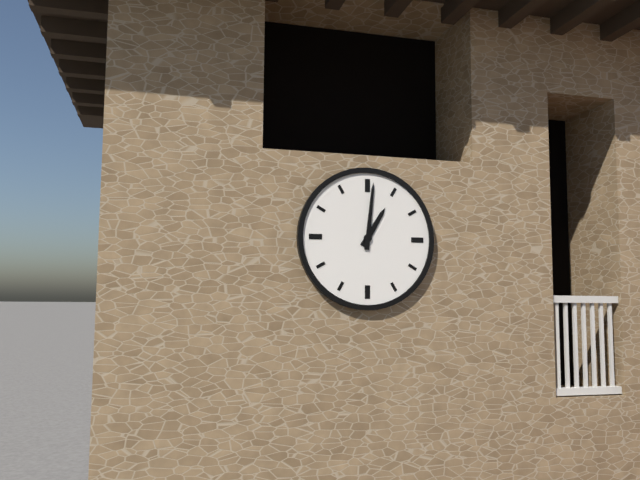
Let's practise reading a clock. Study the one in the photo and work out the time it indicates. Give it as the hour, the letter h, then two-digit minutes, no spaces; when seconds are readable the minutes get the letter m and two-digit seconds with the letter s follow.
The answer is 1h01
